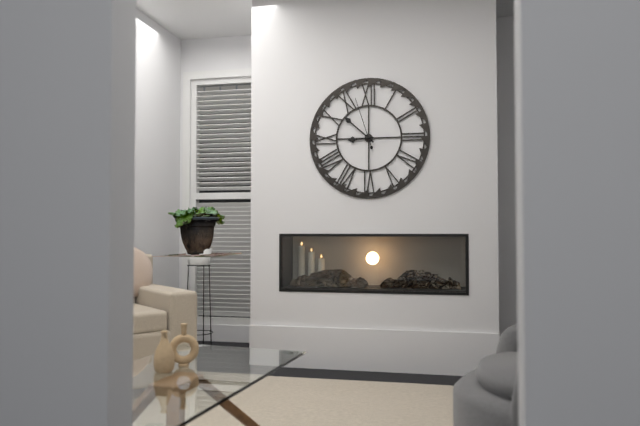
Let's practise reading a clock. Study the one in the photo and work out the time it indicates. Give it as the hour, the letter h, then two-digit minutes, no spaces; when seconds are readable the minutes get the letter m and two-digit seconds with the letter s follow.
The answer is 8h52m57s
